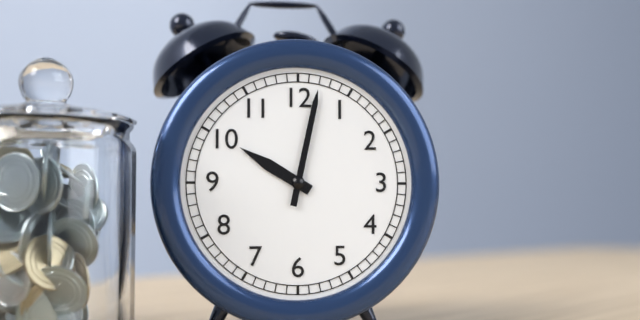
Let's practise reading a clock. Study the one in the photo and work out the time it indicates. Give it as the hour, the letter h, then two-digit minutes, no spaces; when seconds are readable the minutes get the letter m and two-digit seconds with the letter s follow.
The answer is 10h02
